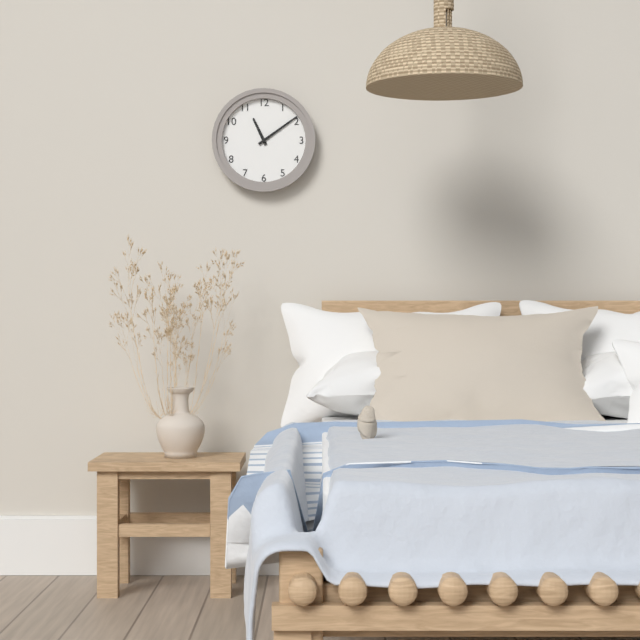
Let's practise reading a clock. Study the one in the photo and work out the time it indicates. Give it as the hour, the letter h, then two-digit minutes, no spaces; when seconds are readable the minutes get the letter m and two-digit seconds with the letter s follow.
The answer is 11h09
